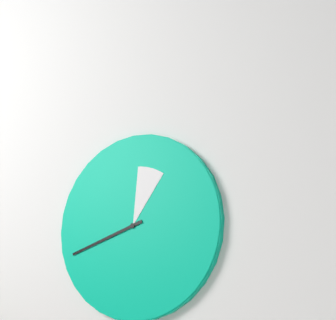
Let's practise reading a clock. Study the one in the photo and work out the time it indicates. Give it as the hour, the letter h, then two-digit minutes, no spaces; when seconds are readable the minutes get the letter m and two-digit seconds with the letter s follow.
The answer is 12h42
